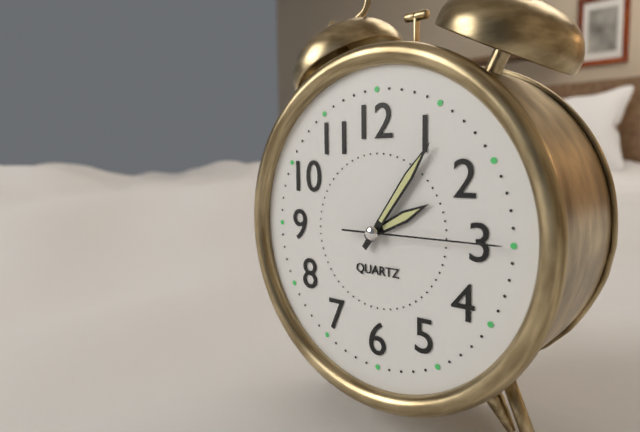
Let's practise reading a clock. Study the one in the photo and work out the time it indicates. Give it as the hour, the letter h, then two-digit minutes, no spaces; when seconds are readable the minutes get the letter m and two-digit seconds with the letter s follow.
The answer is 2h06m15s
